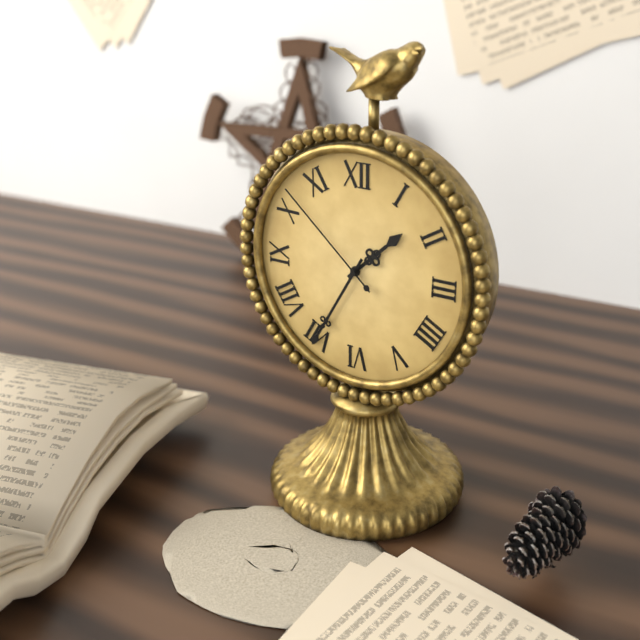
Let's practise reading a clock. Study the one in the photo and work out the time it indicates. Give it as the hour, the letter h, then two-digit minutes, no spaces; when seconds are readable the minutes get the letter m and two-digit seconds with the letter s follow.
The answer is 1h35m52s
